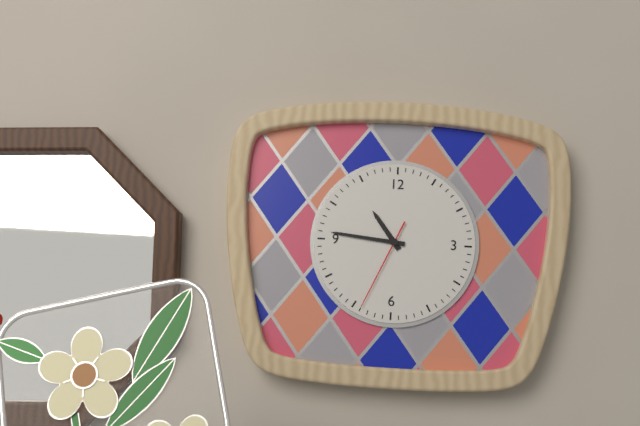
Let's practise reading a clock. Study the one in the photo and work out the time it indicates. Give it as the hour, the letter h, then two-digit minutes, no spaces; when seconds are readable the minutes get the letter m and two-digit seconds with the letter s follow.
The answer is 10h46m34s
